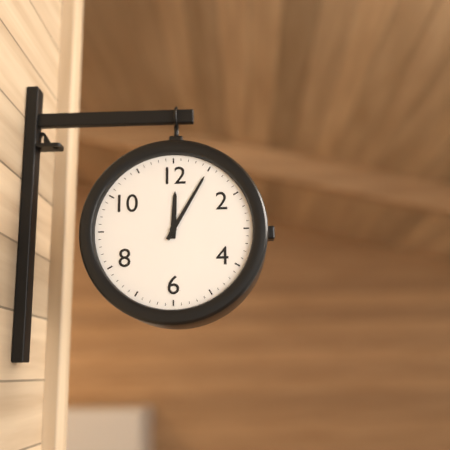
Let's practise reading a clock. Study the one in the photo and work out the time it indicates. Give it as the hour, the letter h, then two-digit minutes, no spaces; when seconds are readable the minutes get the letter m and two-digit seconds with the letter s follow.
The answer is 12h05
